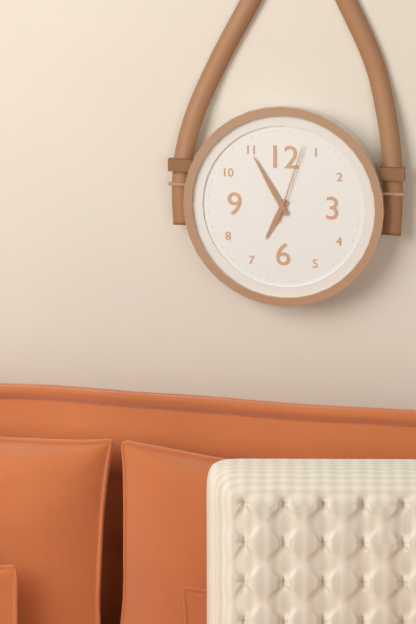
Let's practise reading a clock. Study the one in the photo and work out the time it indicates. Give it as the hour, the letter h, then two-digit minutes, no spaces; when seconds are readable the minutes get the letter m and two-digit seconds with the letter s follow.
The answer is 6h55m03s
